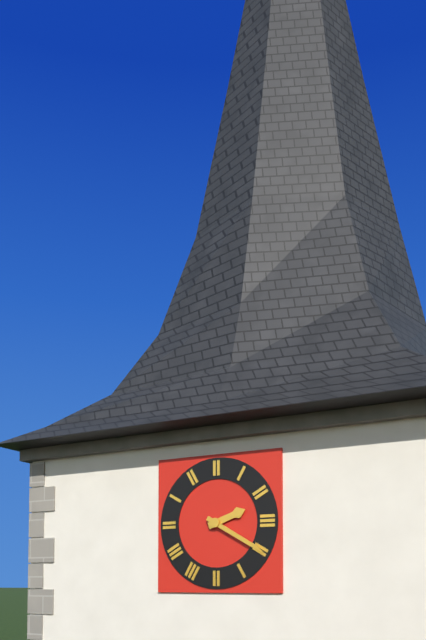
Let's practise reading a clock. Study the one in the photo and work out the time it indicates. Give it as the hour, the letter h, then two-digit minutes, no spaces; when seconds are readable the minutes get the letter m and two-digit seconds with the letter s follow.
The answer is 2h20
